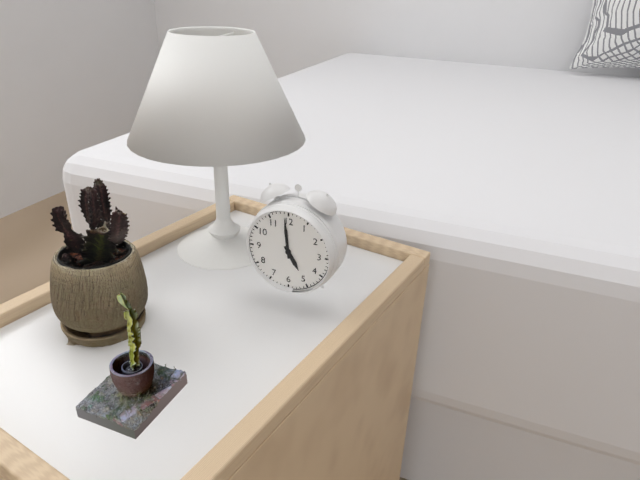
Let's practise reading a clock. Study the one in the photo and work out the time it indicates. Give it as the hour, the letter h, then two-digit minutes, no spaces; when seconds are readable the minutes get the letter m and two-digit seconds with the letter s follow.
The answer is 4h59
